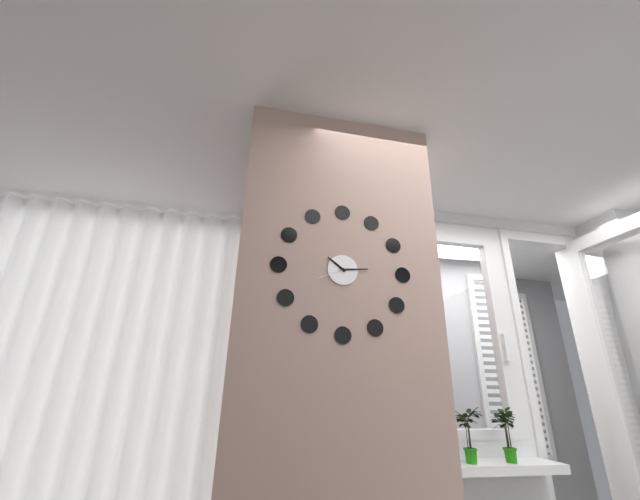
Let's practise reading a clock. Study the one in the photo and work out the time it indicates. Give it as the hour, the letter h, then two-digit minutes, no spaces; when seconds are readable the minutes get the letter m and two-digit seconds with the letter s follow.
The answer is 10h14
